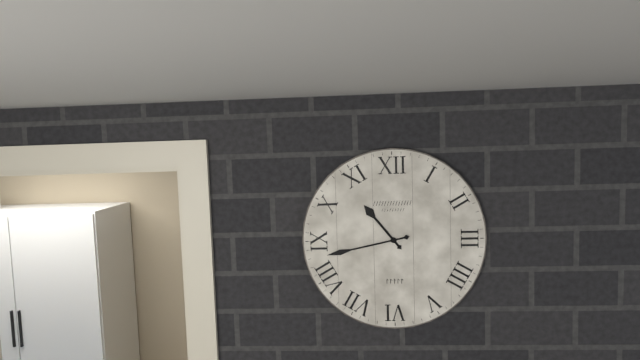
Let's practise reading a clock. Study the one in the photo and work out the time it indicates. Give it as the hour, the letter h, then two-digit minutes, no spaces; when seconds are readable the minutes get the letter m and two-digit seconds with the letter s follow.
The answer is 10h43
